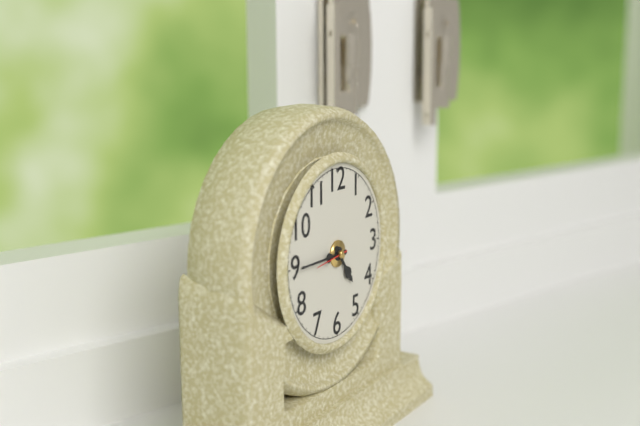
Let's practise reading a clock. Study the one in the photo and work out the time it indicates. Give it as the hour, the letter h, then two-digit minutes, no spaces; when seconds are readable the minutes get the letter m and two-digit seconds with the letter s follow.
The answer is 4h45
